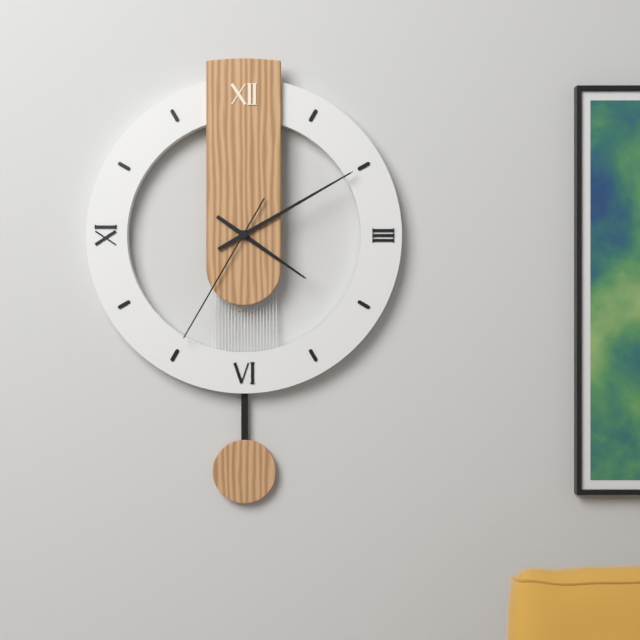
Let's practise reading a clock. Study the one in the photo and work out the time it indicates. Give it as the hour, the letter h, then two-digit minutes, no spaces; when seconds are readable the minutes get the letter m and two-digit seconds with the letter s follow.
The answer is 4h10m35s
